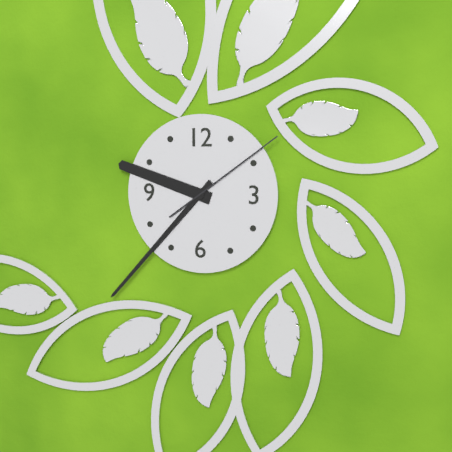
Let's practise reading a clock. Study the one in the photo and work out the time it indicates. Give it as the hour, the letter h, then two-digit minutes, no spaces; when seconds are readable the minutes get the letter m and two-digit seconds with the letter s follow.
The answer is 9h37m09s
